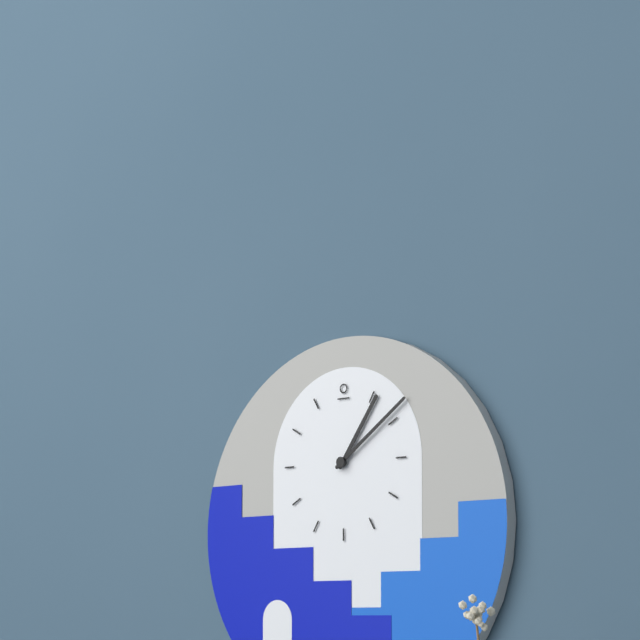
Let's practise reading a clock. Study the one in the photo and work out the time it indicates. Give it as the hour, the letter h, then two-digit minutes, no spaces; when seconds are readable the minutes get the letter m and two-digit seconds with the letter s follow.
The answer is 1h09
